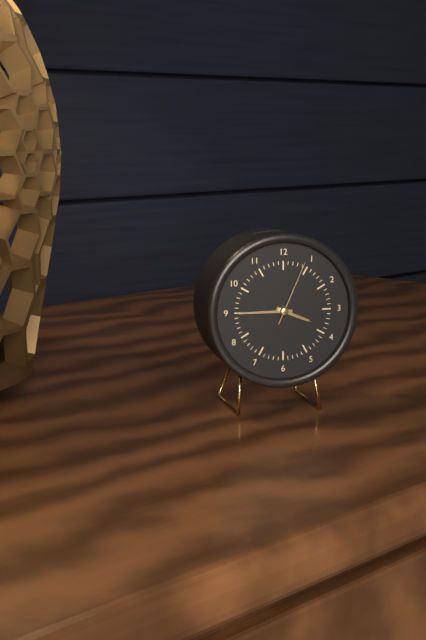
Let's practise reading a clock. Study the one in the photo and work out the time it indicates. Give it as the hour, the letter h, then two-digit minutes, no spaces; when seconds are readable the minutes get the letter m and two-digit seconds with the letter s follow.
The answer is 3h45m04s
